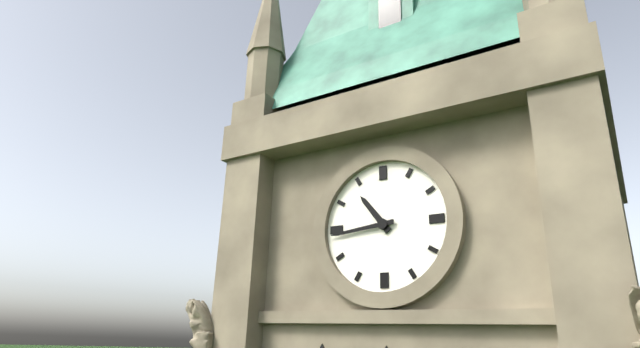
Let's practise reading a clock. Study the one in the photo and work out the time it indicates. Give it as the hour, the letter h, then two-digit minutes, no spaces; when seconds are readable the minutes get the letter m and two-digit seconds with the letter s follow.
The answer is 10h44
